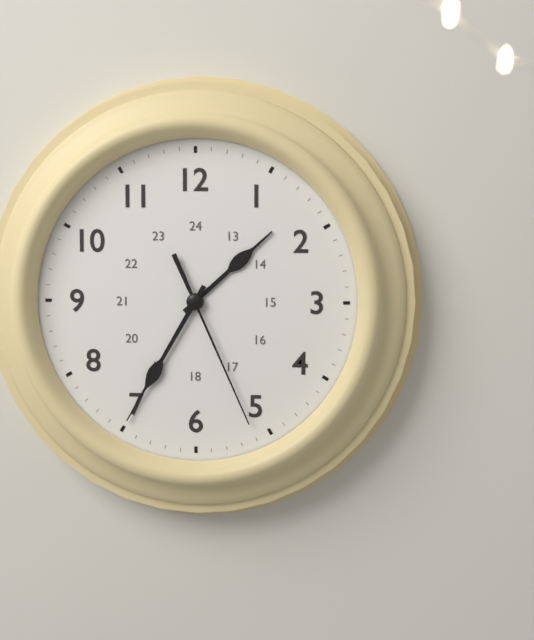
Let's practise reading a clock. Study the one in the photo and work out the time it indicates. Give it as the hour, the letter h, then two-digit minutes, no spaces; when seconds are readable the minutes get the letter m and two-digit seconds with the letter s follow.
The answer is 1h35m26s
